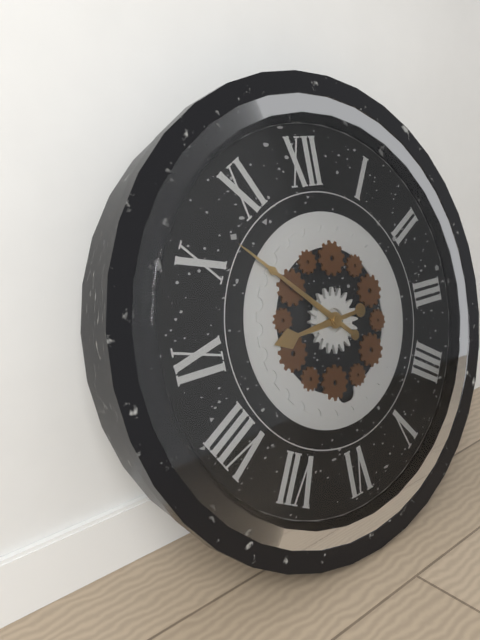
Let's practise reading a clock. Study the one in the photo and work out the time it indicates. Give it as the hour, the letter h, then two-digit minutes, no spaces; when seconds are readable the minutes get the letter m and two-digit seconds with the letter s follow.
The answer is 8h52
